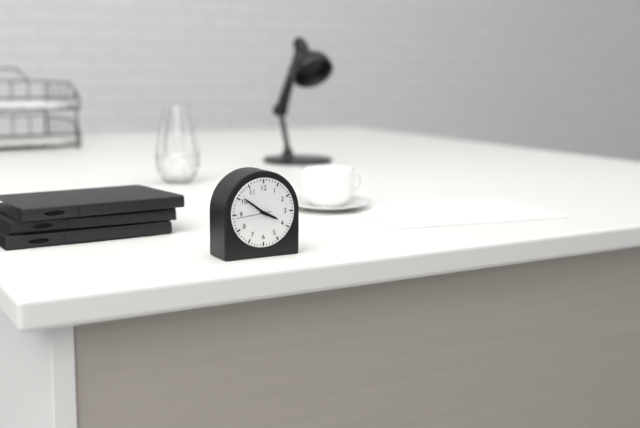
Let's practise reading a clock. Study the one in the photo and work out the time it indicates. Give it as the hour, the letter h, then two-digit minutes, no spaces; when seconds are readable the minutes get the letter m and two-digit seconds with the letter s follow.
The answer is 3h51
